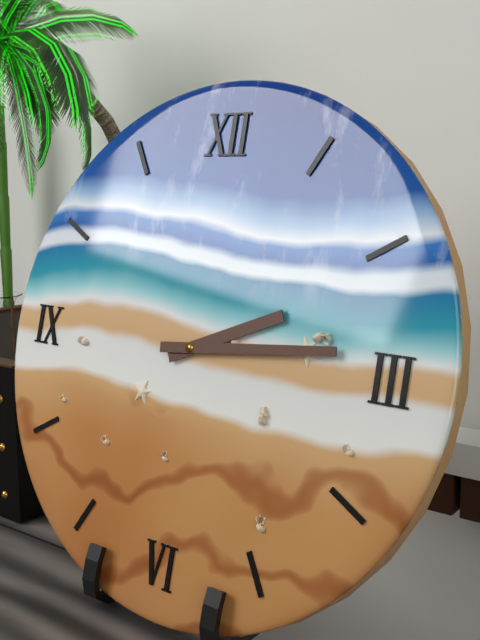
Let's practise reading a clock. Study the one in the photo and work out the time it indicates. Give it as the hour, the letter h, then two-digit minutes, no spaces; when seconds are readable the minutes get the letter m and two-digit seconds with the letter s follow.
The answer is 2h14
